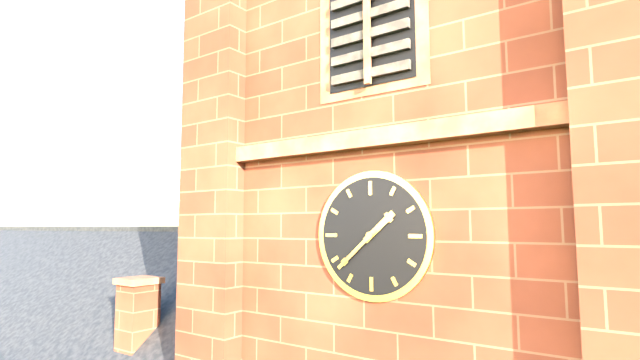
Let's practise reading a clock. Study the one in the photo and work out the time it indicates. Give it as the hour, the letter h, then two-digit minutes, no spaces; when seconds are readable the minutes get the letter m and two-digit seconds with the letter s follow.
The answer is 1h38
